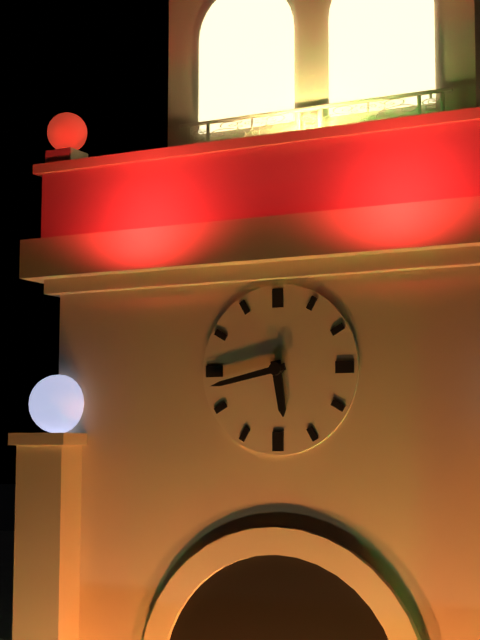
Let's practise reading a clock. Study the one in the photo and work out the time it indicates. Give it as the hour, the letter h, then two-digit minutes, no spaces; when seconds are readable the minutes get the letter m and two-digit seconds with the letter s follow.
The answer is 5h43
